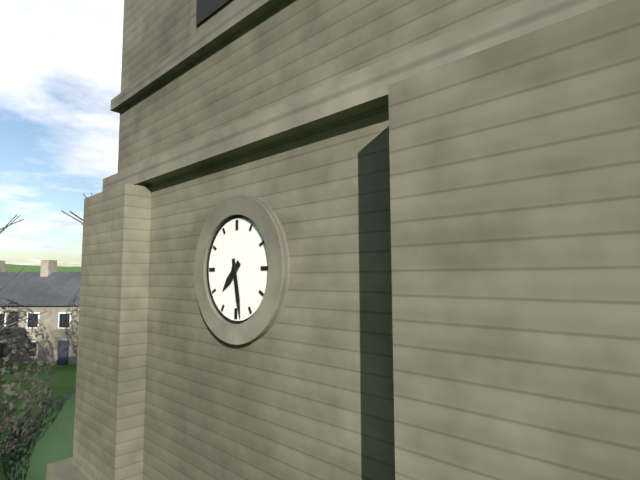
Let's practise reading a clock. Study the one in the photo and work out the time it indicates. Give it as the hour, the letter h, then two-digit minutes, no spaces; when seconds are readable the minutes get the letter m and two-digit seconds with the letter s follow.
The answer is 7h28
